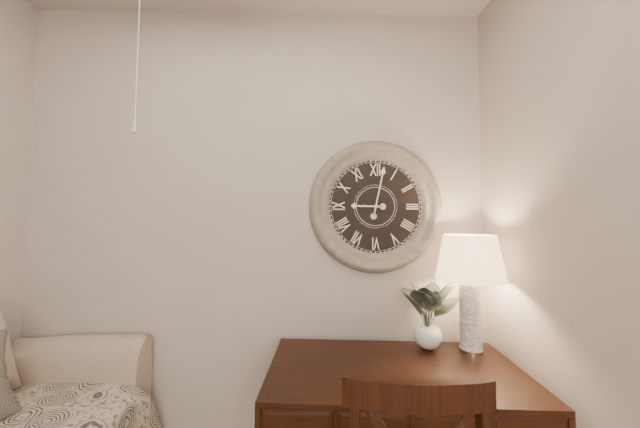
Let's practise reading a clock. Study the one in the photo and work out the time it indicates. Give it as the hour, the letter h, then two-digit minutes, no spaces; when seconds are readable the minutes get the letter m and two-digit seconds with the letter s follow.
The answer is 9h02
